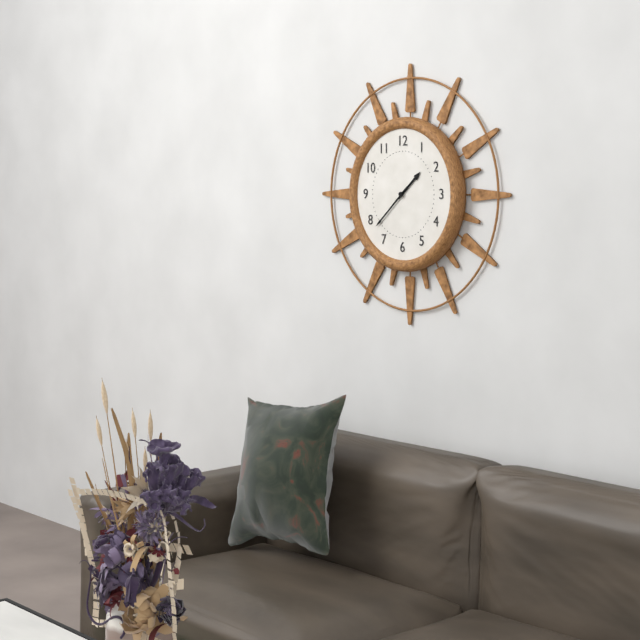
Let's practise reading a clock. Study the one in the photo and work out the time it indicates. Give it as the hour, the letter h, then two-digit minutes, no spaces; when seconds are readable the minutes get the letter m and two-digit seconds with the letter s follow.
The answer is 1h38
